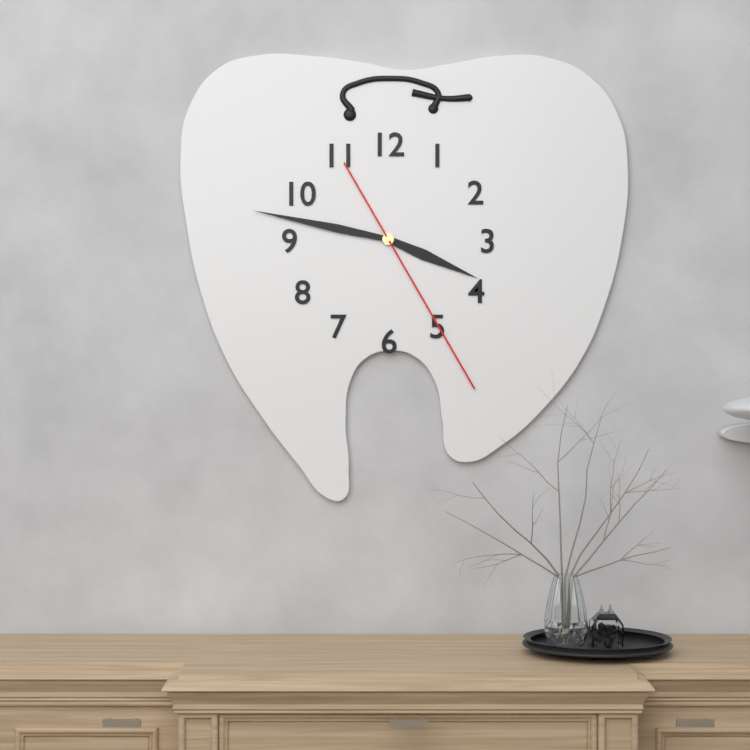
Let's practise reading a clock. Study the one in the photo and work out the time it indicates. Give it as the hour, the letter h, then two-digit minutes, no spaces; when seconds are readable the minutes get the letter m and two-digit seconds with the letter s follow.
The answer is 3h47m25s
